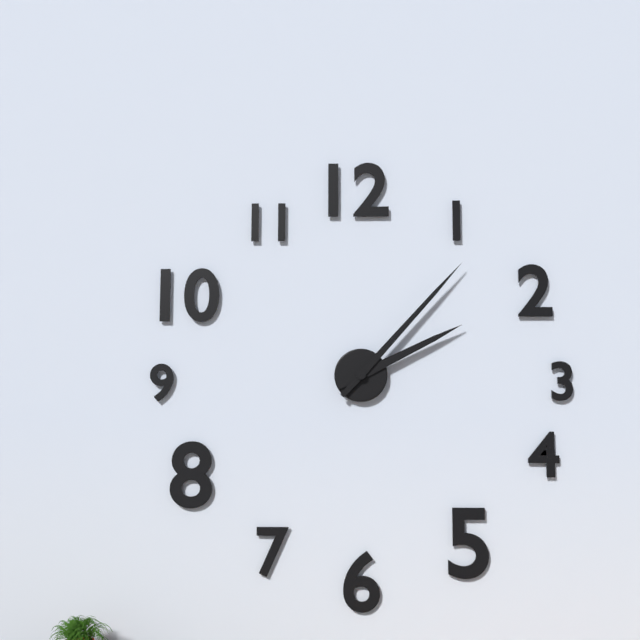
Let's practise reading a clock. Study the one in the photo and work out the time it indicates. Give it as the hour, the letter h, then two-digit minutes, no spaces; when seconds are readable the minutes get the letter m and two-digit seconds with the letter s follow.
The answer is 2h07
